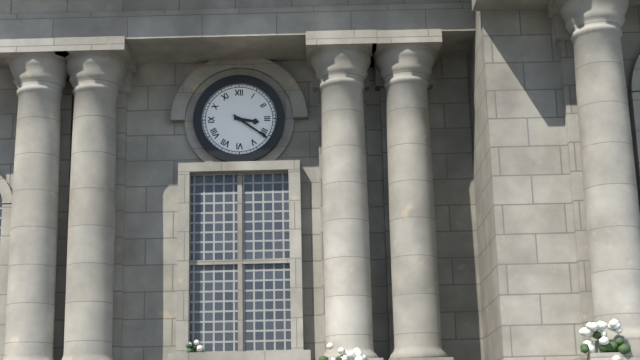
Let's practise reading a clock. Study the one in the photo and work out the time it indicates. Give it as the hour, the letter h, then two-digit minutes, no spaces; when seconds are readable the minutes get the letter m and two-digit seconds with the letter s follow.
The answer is 3h21
